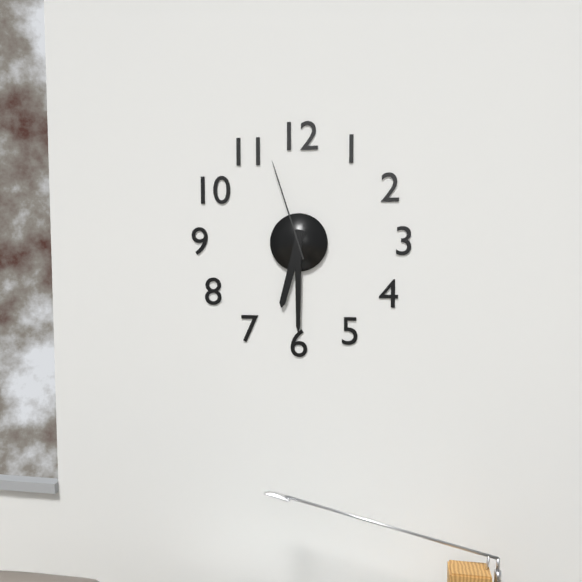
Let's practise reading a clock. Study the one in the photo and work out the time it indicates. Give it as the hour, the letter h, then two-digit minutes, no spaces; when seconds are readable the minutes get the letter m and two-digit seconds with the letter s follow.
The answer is 6h30m57s
